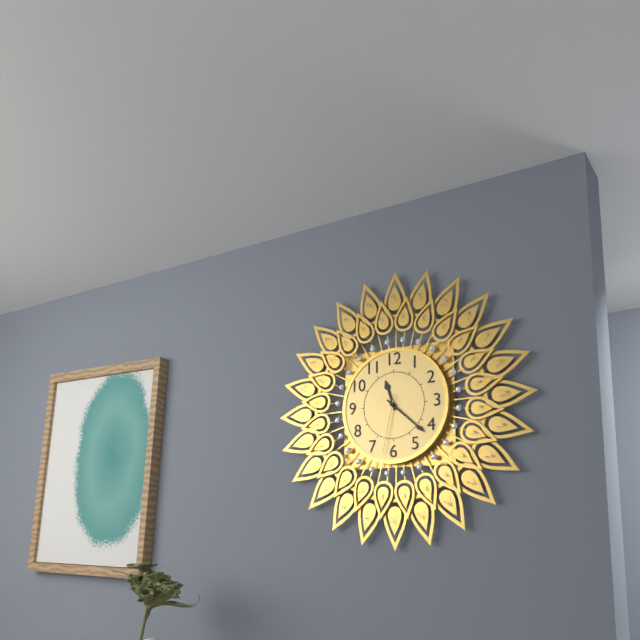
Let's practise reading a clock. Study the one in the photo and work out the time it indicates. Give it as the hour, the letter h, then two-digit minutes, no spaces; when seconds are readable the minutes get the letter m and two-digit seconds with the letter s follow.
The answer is 11h22m32s
